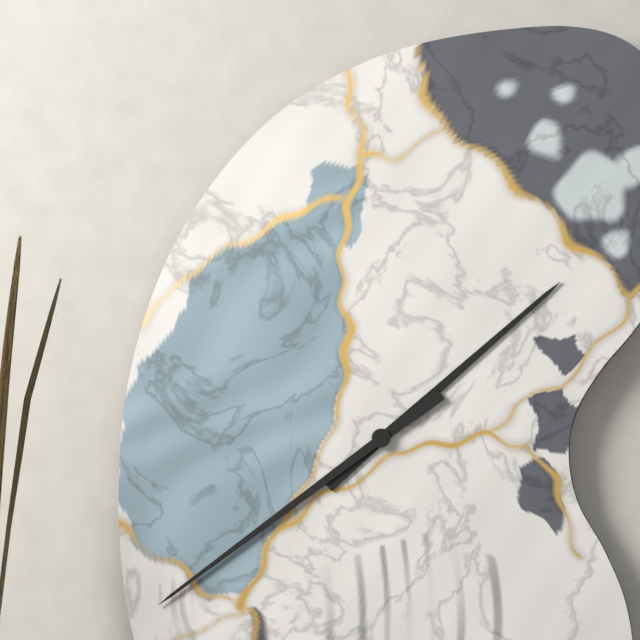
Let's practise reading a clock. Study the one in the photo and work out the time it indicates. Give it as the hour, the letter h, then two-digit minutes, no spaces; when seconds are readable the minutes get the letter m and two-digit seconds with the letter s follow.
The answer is 1h39
